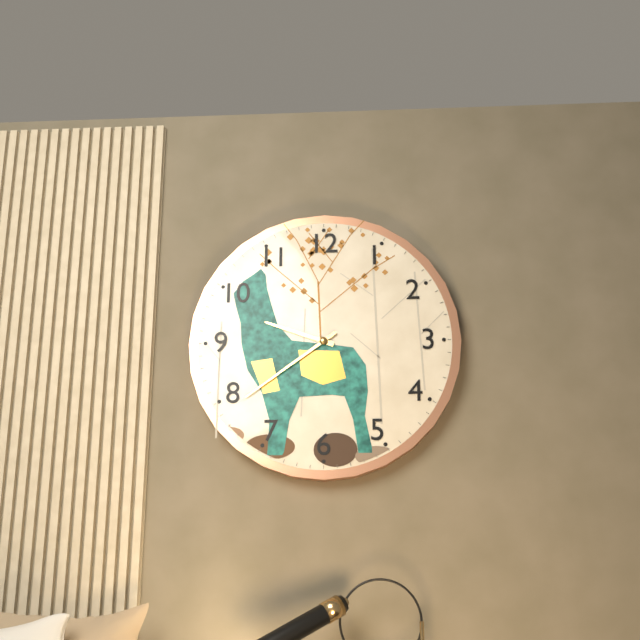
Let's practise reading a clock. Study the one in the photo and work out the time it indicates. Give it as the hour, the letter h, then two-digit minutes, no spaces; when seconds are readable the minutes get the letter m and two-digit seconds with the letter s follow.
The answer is 9h39
